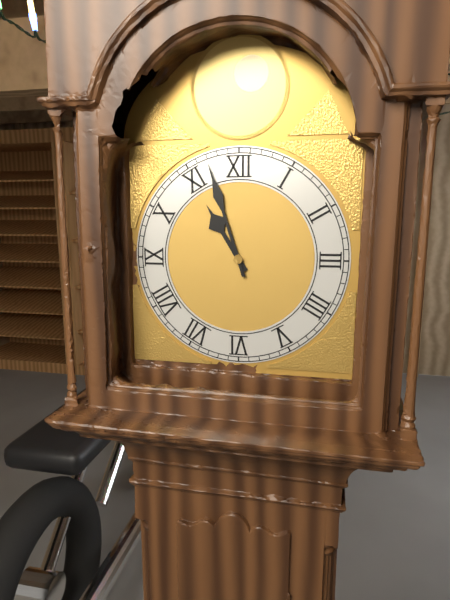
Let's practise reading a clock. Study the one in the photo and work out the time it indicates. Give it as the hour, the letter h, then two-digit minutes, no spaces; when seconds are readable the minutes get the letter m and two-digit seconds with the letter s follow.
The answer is 10h57
